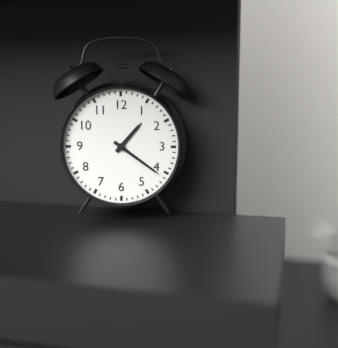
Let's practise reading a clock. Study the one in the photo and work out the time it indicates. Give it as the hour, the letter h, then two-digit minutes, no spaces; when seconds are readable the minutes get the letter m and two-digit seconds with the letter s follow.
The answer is 1h21
